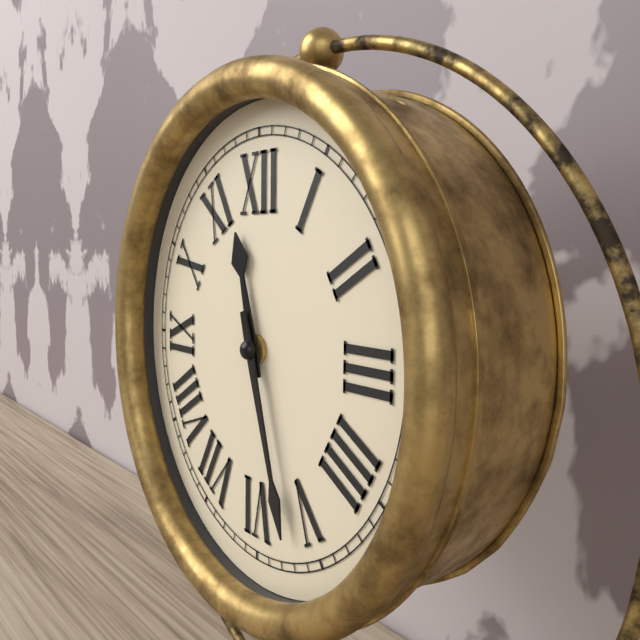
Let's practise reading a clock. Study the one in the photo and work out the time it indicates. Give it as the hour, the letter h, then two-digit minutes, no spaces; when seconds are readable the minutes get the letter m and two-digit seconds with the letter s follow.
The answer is 11h27
